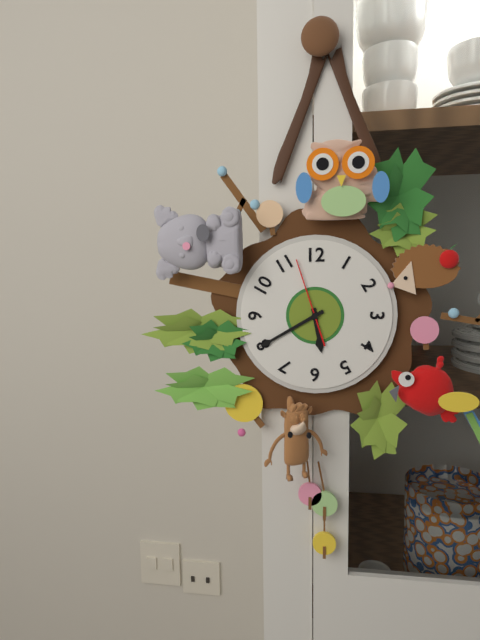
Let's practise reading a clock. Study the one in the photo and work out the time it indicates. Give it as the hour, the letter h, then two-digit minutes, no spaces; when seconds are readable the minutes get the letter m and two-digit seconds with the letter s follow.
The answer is 5h40m57s
